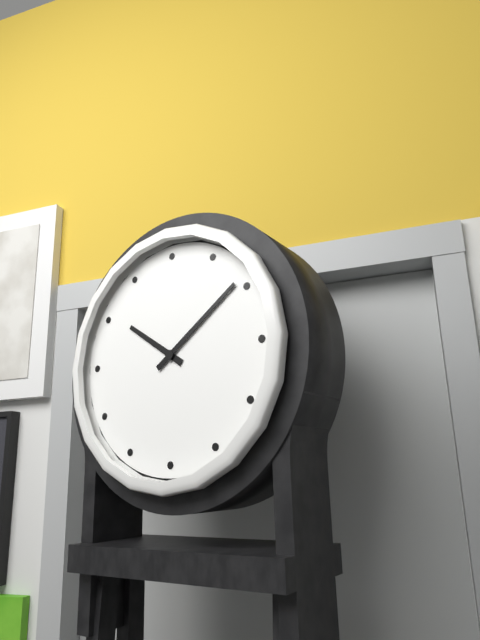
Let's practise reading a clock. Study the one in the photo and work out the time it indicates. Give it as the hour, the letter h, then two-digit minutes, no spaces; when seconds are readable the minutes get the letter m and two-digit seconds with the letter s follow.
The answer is 10h09
